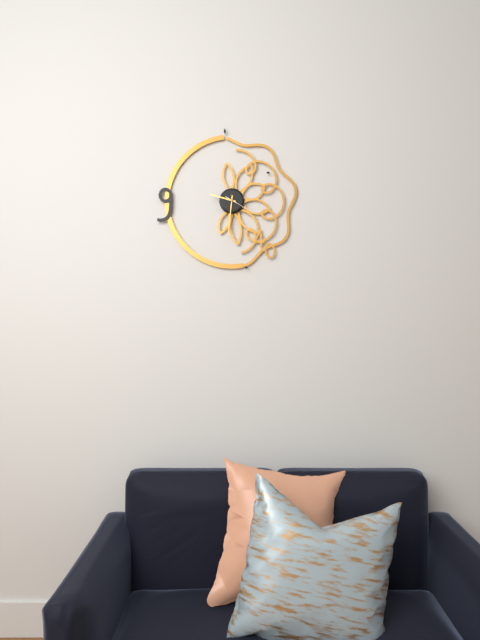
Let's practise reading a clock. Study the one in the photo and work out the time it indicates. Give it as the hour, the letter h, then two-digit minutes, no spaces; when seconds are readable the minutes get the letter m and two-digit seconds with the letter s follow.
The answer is 9h31
